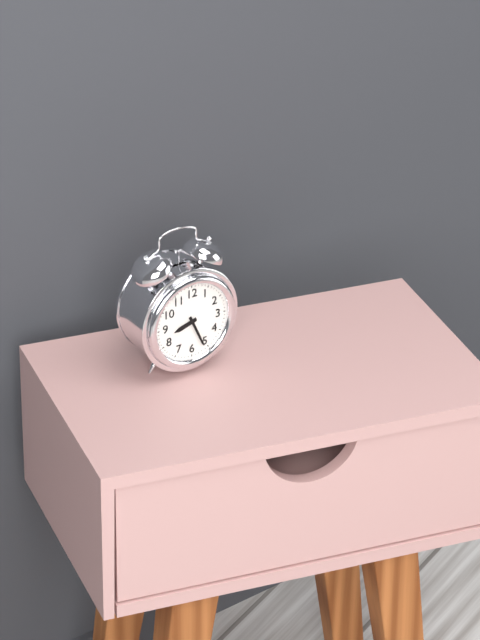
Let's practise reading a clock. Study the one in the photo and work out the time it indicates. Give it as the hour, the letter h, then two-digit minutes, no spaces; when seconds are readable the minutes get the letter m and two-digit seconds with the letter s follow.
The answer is 8h26
